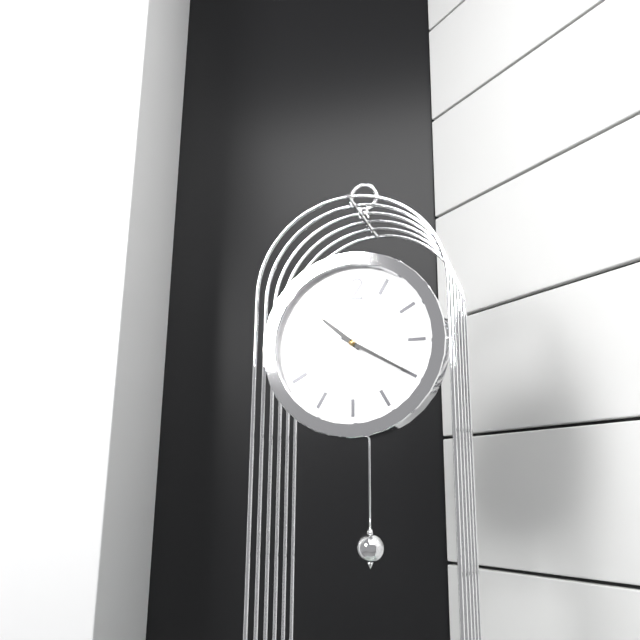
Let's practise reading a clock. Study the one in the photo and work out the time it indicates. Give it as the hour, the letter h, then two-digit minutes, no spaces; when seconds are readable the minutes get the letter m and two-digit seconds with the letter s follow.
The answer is 10h20
